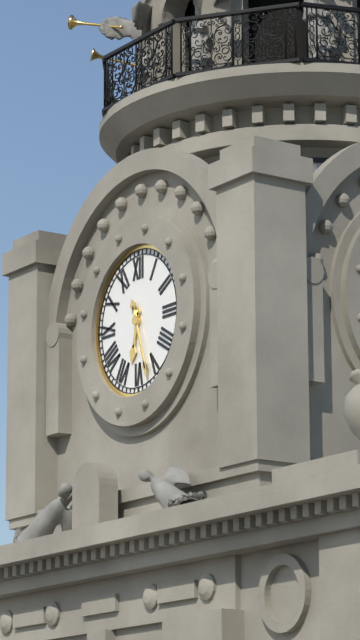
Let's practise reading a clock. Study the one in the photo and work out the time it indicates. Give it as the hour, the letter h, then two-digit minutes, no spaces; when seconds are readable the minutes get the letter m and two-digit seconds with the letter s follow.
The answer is 6h27
